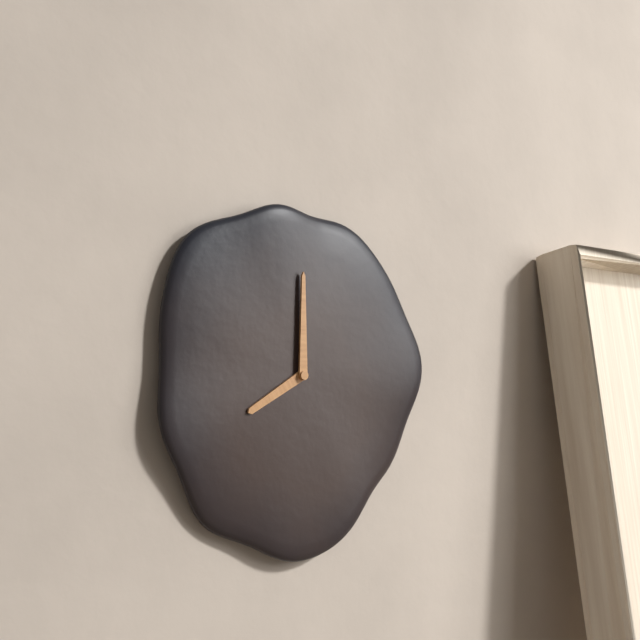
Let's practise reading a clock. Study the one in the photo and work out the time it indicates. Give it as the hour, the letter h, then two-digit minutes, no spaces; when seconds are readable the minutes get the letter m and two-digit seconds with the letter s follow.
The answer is 8h00
